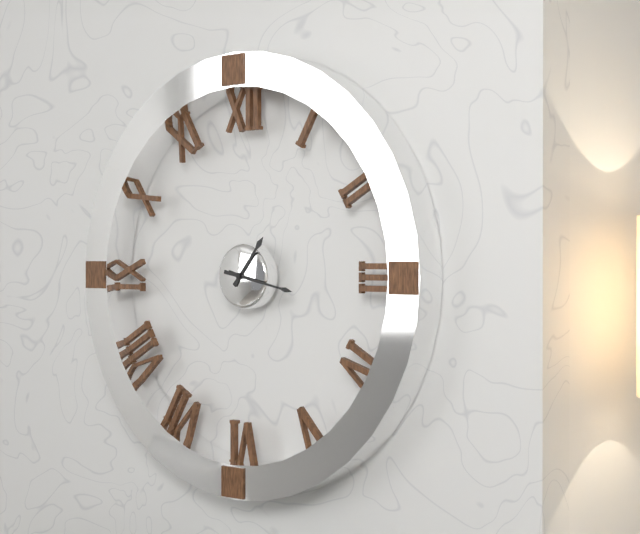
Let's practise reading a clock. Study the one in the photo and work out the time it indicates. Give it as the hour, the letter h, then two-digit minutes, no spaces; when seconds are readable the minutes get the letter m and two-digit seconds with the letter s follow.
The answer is 1h17
